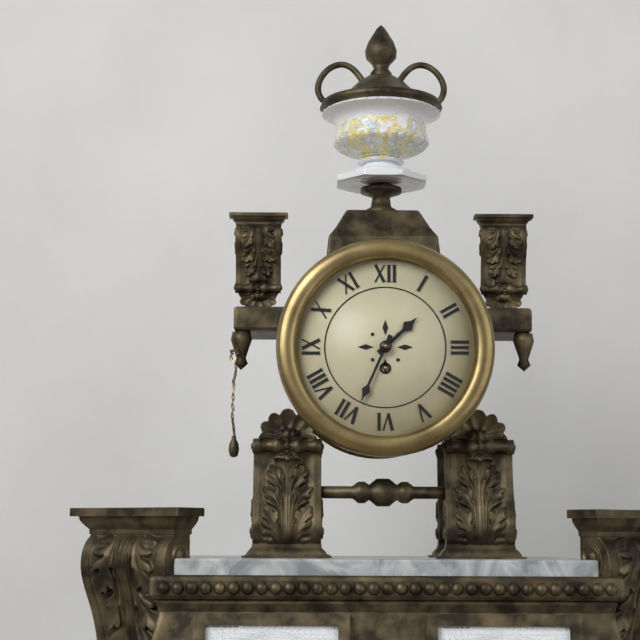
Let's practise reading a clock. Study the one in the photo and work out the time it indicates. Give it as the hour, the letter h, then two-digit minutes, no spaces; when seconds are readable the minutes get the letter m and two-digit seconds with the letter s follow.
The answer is 1h34
